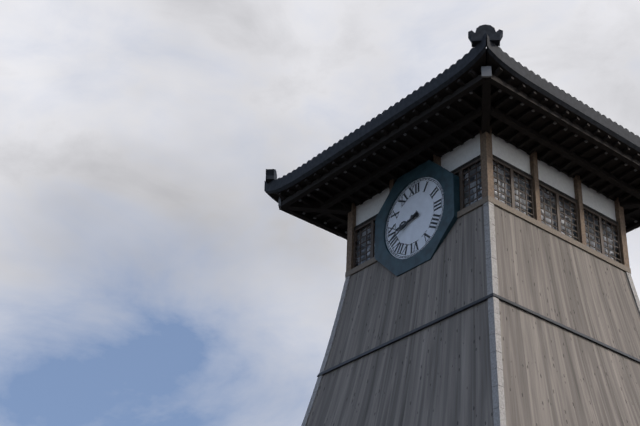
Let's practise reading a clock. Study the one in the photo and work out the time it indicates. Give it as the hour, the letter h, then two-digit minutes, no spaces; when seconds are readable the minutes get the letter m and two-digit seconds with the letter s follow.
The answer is 8h41
